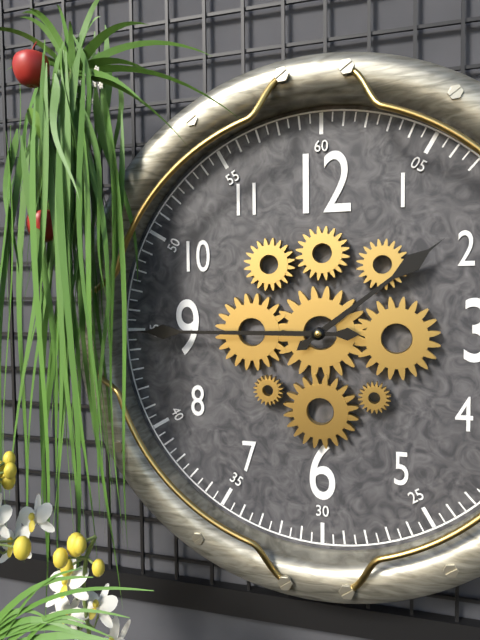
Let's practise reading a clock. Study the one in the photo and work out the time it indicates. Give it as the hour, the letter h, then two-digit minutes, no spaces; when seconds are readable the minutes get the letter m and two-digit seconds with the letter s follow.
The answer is 1h45
